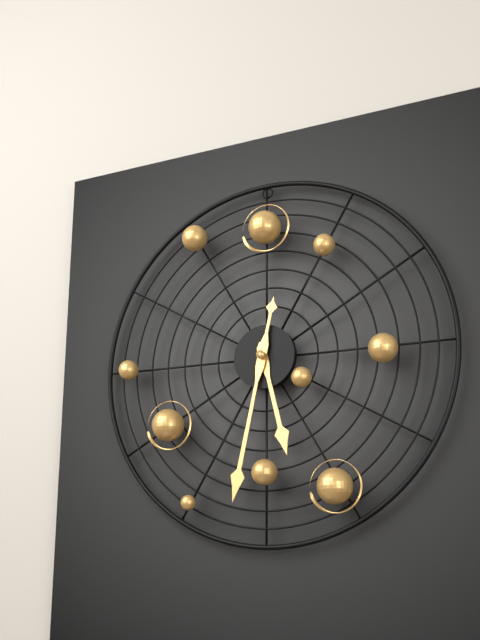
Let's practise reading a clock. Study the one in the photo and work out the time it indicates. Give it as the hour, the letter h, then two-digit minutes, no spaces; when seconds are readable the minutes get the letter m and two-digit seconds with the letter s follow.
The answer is 5h32
